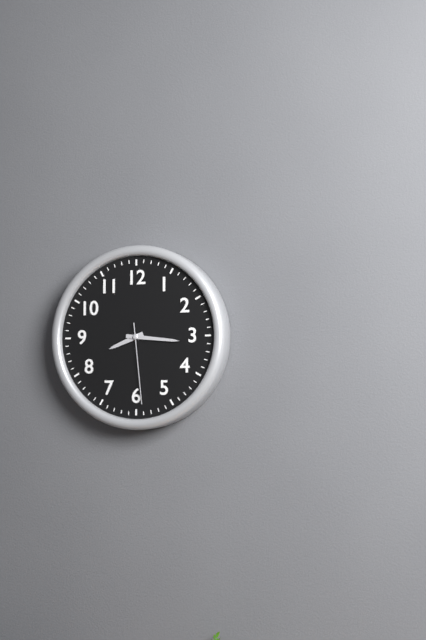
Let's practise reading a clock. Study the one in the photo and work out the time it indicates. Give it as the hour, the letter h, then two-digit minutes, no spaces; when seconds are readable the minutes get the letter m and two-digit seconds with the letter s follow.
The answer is 8h16m29s
